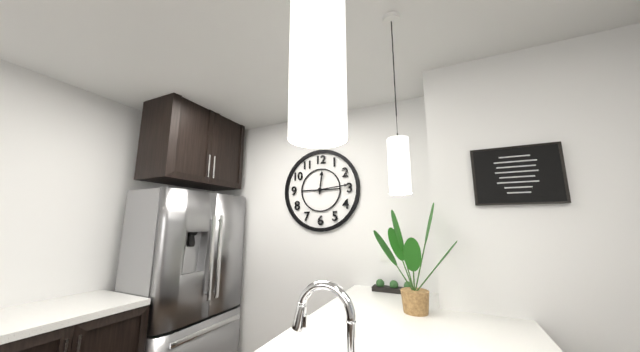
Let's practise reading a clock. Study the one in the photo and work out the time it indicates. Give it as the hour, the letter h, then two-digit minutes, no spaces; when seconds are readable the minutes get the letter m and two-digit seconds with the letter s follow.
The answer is 12h14
